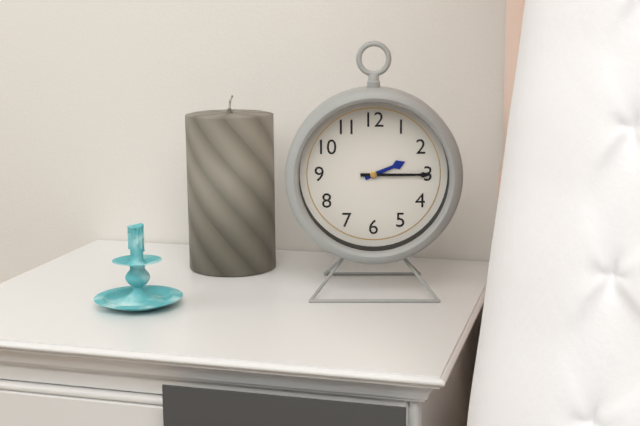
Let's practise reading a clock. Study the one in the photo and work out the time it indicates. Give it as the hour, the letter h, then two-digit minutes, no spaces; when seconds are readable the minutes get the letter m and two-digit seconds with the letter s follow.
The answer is 2h15
